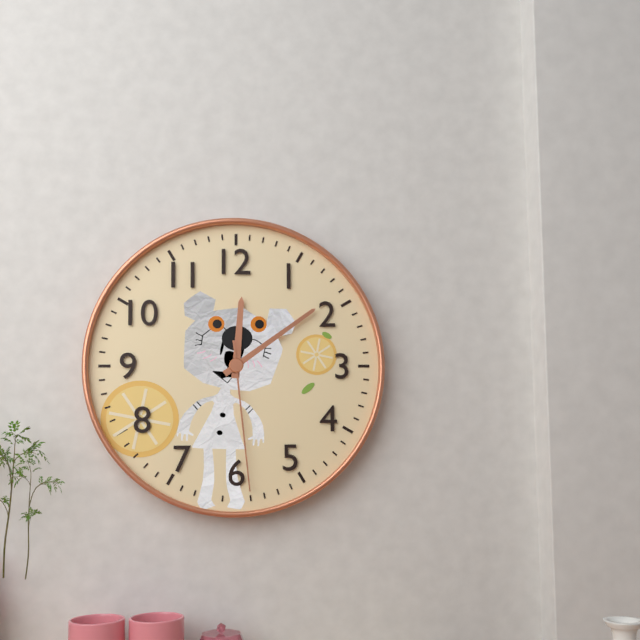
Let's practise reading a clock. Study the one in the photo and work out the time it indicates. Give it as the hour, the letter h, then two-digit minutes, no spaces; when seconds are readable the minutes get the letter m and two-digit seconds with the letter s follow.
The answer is 12h09m29s
